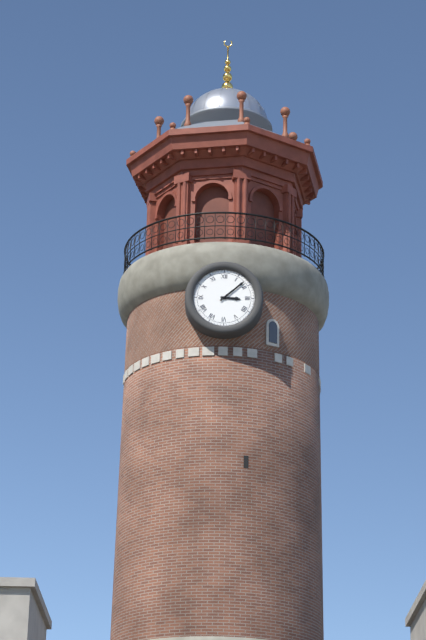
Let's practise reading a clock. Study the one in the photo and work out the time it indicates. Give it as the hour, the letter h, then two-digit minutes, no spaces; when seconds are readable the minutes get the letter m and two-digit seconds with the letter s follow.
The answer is 3h08
